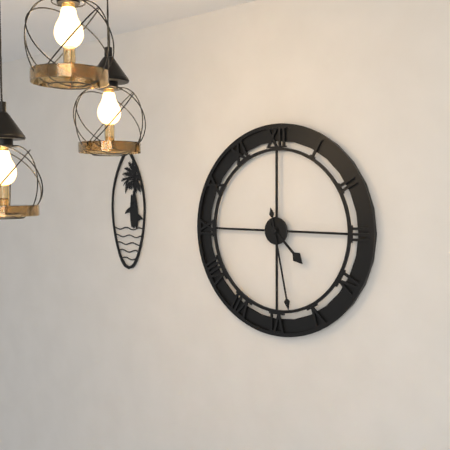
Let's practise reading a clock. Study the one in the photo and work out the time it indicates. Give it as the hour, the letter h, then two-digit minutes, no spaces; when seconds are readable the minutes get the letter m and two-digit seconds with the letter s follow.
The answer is 4h28
